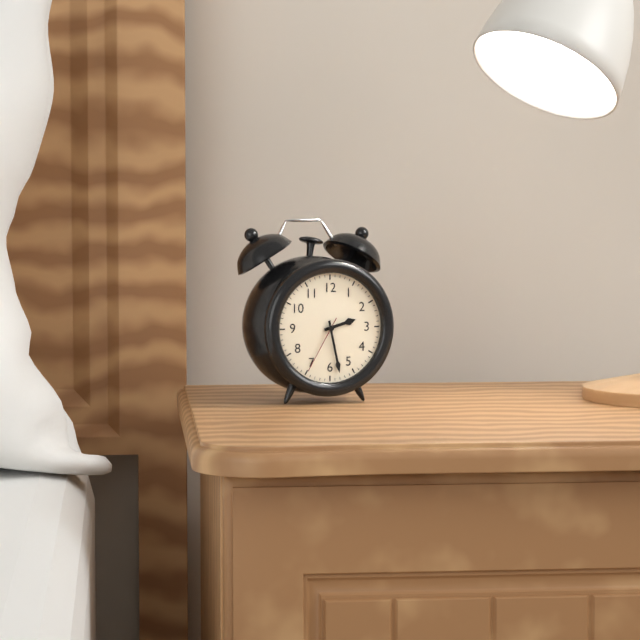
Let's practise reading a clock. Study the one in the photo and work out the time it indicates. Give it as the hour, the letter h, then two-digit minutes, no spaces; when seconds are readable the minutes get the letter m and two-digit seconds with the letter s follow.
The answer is 2h28m35s
